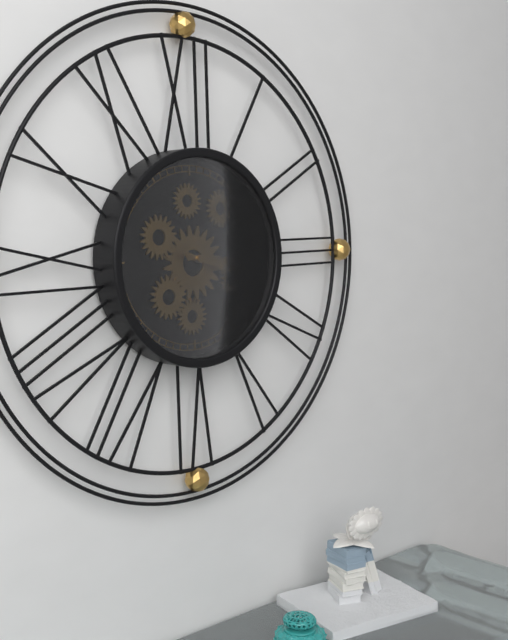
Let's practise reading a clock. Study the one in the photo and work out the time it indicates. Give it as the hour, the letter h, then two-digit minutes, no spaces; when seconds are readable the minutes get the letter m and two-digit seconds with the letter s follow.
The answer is 3h18
